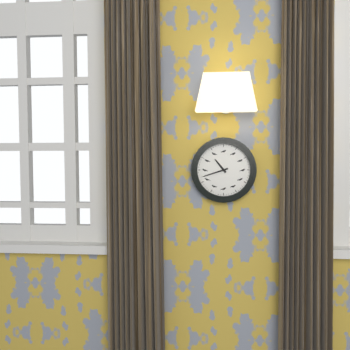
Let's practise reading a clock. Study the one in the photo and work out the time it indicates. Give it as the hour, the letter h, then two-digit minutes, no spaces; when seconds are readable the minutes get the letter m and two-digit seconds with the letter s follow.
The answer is 10h42
